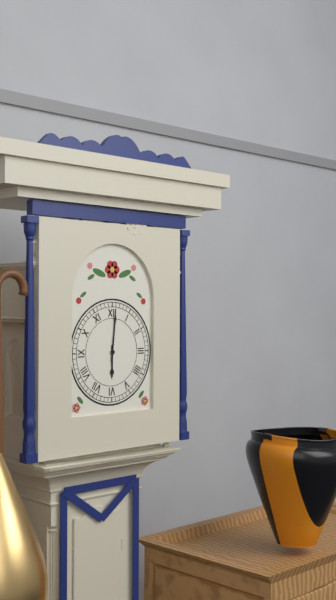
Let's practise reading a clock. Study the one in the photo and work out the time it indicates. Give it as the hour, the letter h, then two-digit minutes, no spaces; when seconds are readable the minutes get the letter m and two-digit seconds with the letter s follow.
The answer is 6h01
